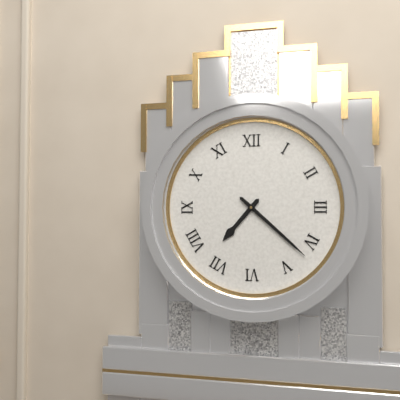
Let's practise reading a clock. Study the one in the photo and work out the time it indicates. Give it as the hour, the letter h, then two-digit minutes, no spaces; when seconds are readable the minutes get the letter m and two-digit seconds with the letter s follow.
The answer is 7h22
